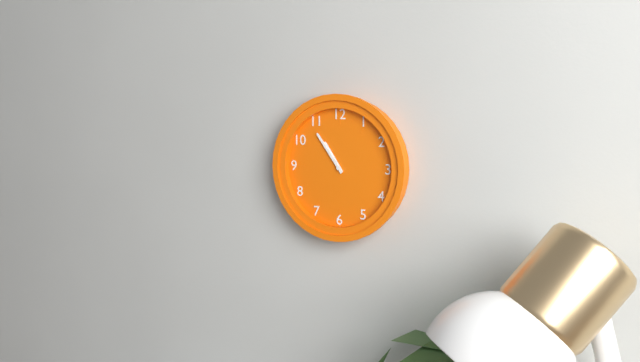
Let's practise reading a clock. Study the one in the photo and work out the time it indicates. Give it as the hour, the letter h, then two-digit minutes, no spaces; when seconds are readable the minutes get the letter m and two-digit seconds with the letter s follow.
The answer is 10h54
